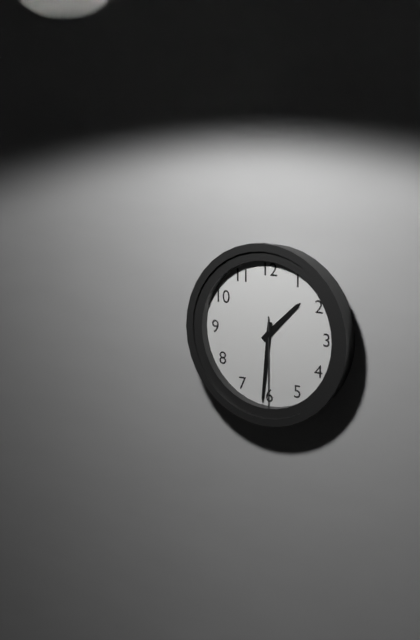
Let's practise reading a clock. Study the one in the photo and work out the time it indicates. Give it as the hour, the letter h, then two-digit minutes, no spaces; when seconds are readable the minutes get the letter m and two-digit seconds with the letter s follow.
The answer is 1h31m30s
